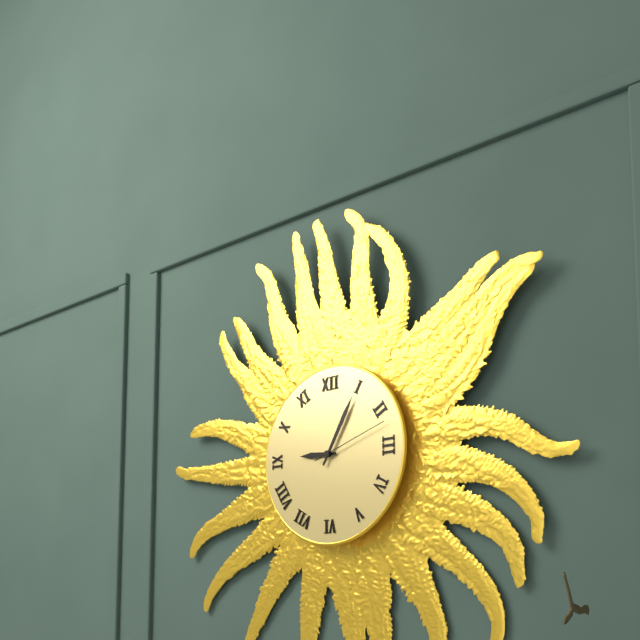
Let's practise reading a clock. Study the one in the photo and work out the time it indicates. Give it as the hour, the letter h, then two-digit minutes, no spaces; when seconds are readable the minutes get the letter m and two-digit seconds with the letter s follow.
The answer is 9h05m12s
